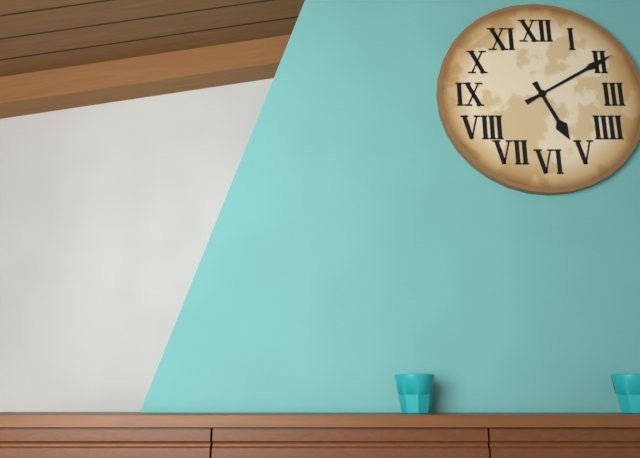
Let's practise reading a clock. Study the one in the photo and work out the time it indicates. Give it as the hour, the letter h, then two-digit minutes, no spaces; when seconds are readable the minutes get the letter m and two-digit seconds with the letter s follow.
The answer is 5h10
